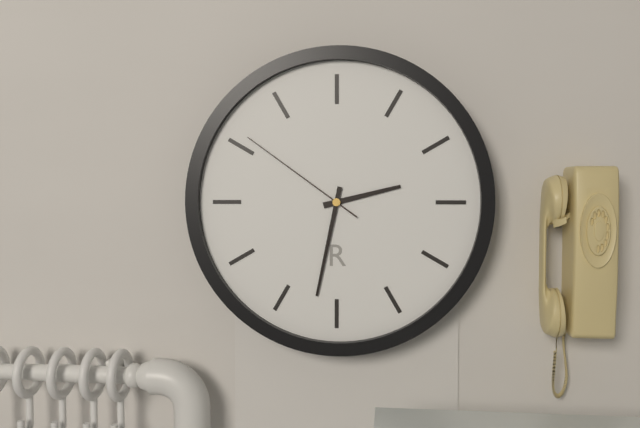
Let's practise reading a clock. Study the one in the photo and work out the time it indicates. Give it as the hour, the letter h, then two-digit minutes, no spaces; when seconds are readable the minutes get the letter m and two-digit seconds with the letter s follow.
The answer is 2h32m51s
